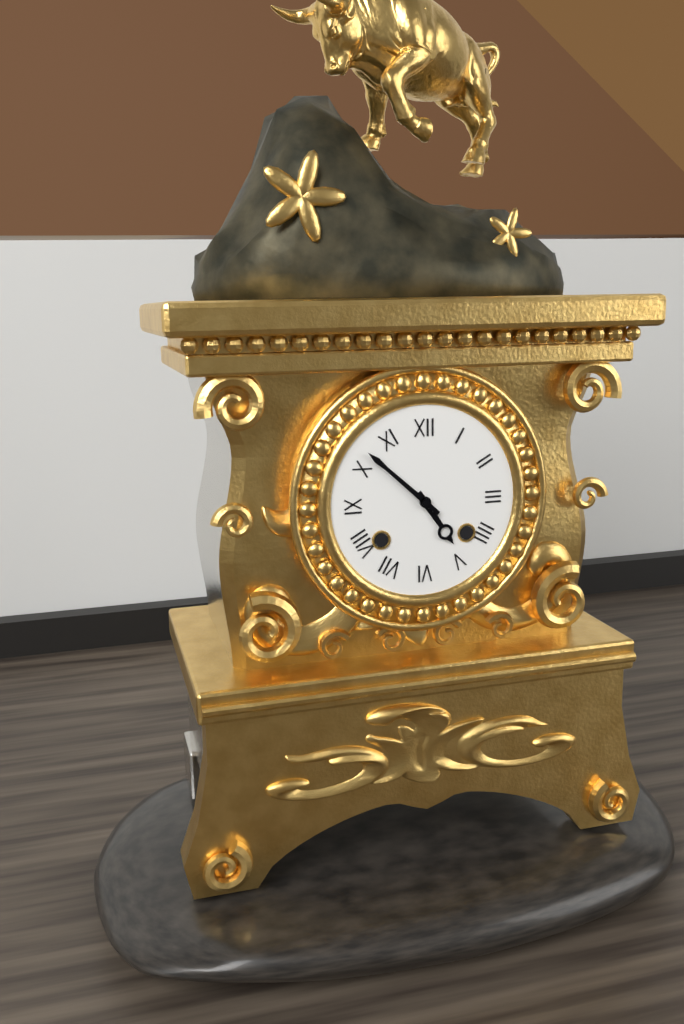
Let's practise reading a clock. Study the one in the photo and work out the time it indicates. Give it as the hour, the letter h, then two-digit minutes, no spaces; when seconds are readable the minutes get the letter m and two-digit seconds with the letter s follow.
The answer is 4h52
